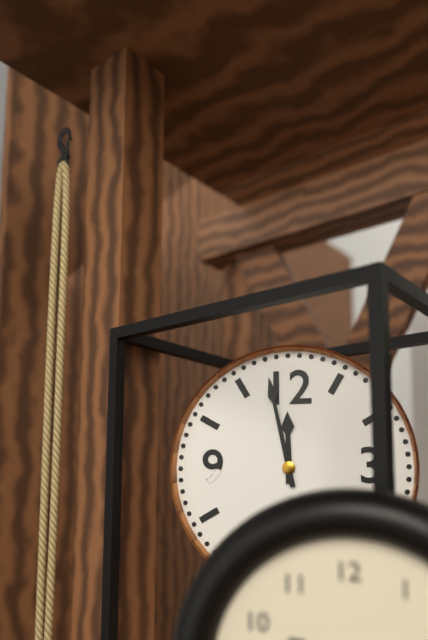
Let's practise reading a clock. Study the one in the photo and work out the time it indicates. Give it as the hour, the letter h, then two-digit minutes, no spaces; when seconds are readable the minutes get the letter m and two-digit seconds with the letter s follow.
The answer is 11h58
